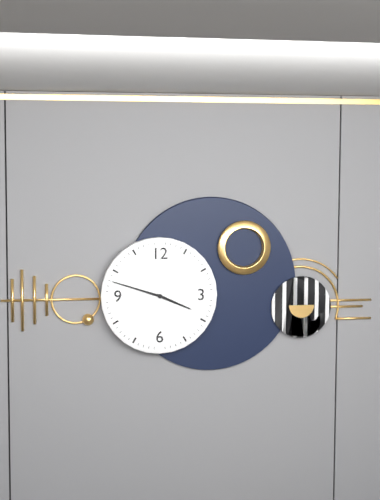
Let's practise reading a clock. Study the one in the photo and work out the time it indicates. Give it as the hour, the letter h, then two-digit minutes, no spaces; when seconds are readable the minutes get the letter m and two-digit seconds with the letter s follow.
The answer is 3h48
